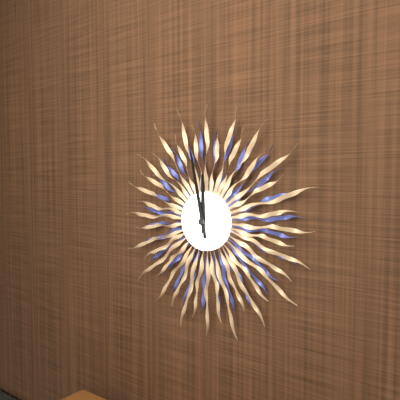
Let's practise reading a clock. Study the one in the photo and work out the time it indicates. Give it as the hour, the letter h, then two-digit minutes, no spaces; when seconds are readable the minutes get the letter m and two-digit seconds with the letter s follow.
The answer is 11h58
